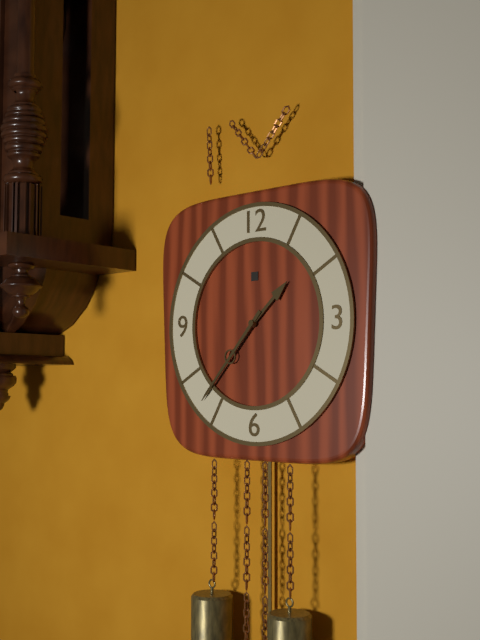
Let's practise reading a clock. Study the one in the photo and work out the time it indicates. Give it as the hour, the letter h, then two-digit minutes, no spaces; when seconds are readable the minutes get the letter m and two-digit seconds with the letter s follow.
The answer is 1h37
